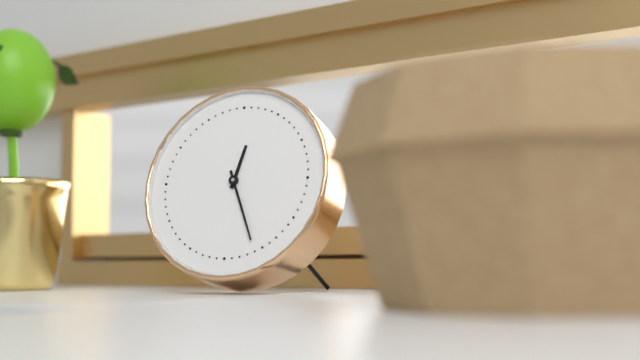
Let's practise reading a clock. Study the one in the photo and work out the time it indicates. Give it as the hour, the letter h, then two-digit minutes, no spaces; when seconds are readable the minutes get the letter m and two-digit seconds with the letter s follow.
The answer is 12h26
